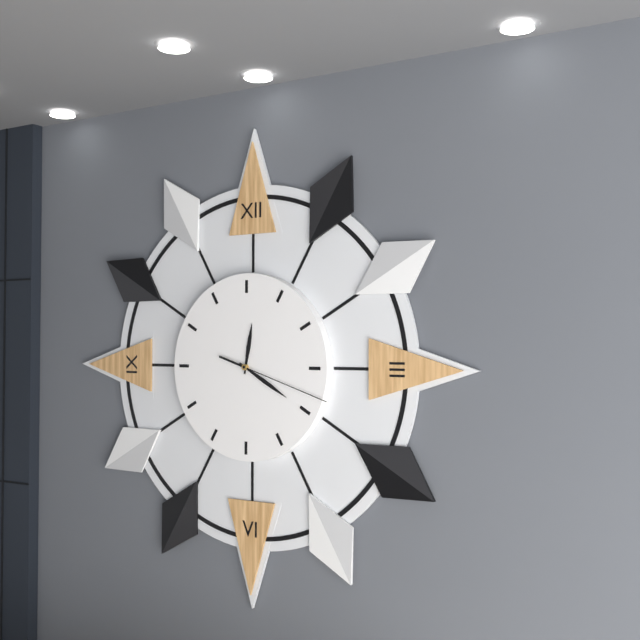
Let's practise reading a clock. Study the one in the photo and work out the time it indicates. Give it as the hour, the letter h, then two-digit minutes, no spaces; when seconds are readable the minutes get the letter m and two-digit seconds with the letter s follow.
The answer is 12h20m18s
